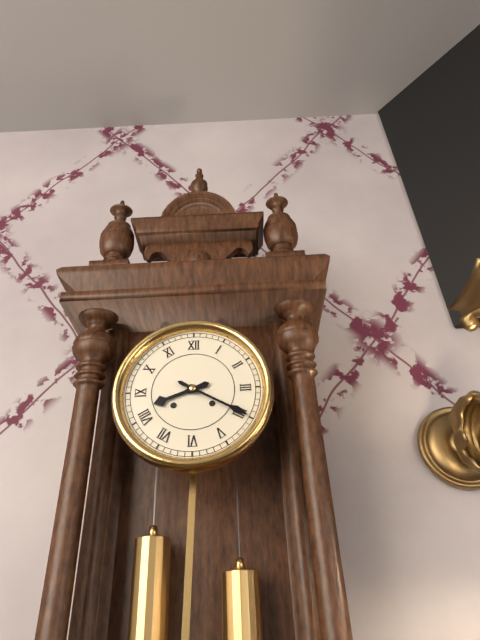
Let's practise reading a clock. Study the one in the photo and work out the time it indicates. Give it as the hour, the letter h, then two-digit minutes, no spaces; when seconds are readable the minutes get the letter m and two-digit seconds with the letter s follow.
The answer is 8h20
